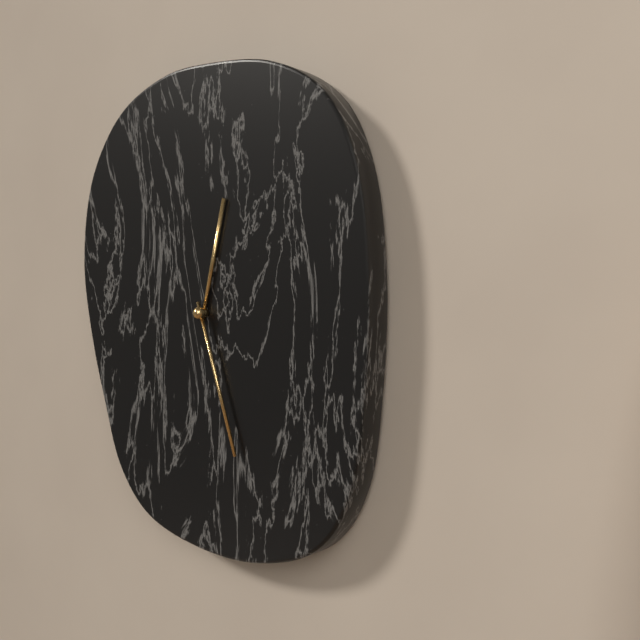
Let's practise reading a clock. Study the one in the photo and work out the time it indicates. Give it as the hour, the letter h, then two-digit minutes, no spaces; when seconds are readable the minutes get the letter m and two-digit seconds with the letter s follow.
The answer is 12h27
